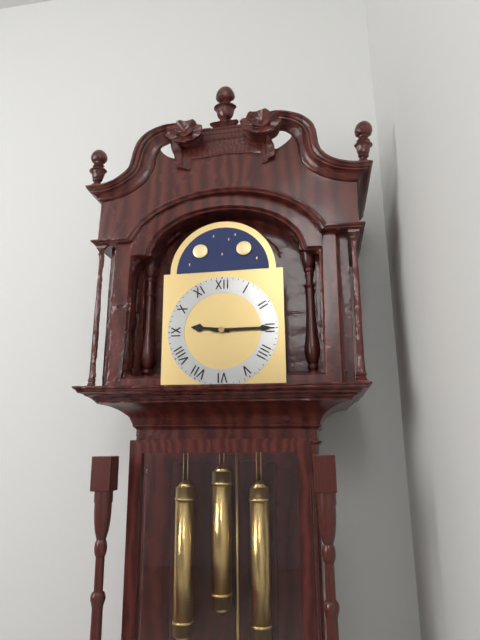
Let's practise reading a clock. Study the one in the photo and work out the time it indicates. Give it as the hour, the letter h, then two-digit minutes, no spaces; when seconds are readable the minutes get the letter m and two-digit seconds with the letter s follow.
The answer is 9h15
